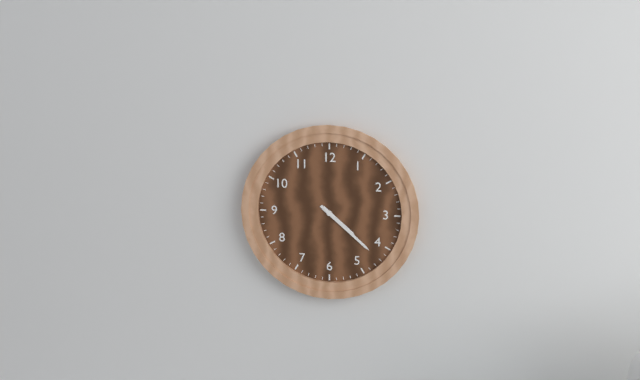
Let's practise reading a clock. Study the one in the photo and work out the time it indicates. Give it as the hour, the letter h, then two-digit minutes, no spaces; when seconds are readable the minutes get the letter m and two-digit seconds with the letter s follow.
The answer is 4h22
